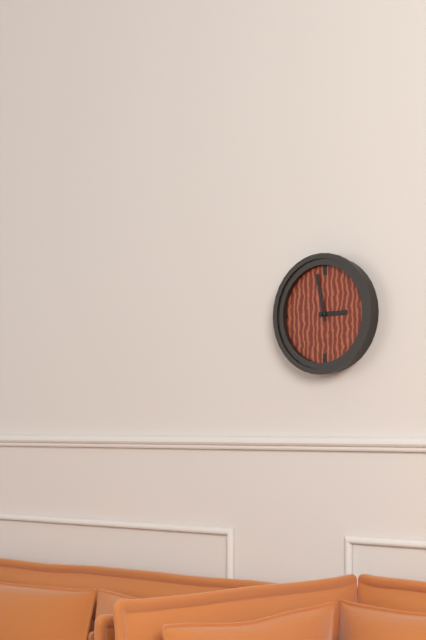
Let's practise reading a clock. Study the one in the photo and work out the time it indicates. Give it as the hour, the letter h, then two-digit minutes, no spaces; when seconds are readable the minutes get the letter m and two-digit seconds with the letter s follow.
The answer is 2h58
